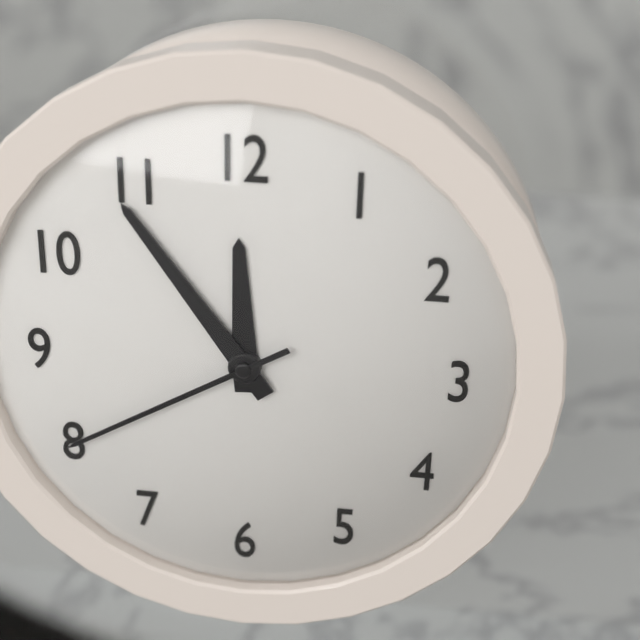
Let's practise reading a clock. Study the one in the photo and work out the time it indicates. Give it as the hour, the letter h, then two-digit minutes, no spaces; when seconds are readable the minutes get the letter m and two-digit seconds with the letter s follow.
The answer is 11h54m40s
